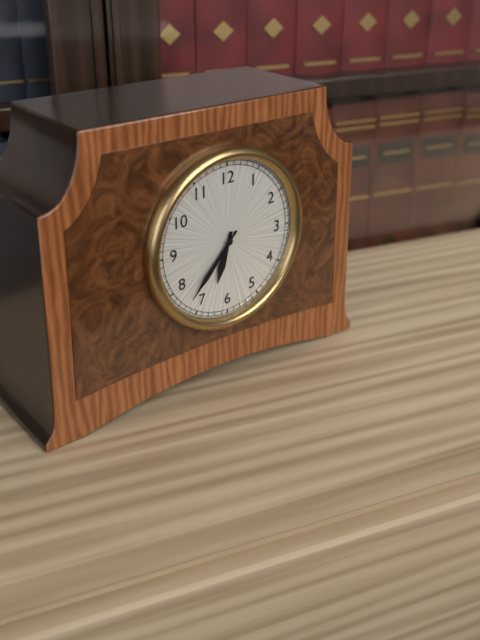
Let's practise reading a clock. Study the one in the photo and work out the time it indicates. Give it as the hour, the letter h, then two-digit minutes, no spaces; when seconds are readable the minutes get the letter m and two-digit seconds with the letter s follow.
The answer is 6h37
